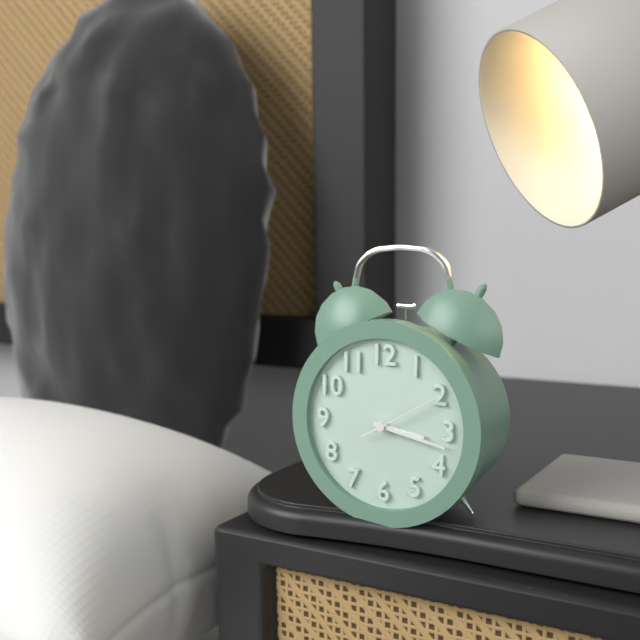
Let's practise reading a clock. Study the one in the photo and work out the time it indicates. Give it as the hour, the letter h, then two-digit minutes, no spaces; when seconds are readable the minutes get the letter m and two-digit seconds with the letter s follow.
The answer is 3h17m10s
